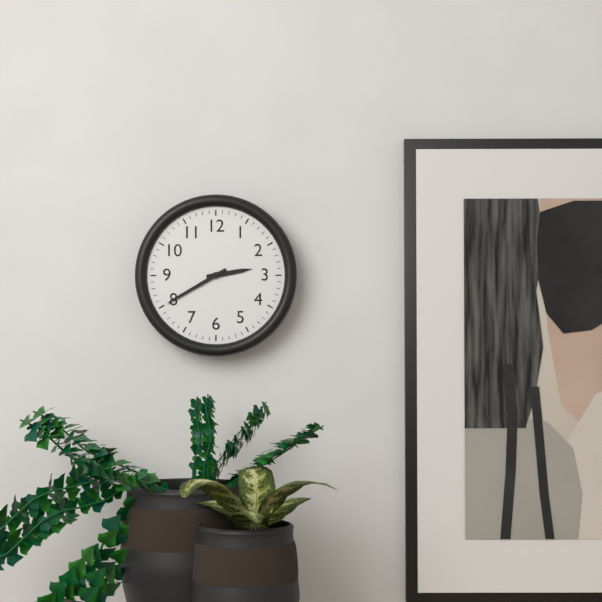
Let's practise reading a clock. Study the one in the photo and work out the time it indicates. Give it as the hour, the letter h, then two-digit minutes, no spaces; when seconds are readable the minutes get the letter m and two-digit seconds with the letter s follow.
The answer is 2h40
